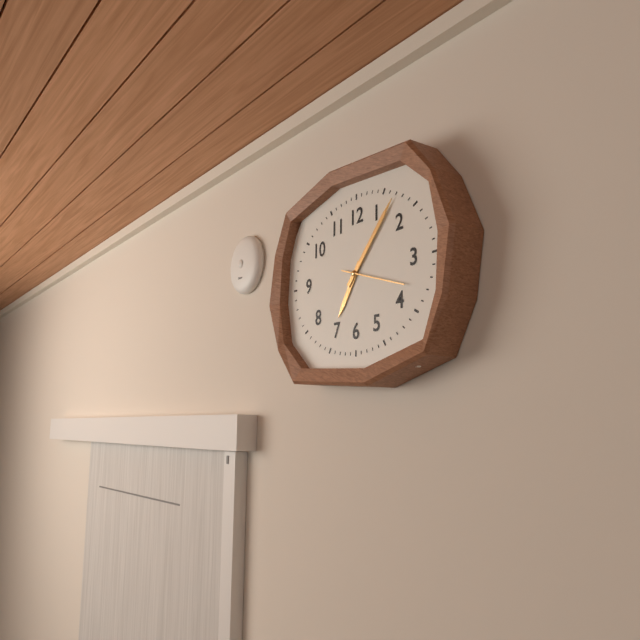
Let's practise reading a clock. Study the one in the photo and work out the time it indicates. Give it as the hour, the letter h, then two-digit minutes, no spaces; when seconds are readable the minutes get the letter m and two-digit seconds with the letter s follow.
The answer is 7h07m18s
